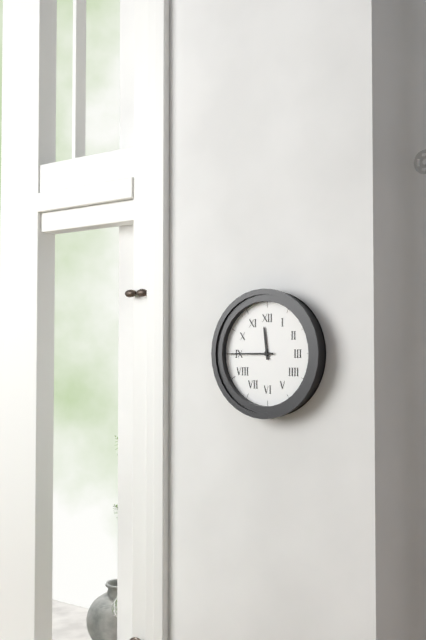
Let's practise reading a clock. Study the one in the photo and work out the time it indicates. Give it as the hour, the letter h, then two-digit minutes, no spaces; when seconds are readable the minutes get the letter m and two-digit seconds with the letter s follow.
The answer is 11h45
